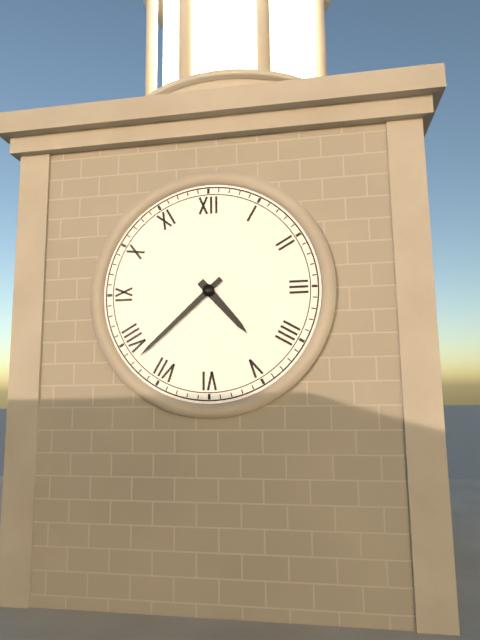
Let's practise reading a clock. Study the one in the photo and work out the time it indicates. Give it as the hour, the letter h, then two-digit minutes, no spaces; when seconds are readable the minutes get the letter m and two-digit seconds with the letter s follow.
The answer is 4h38
